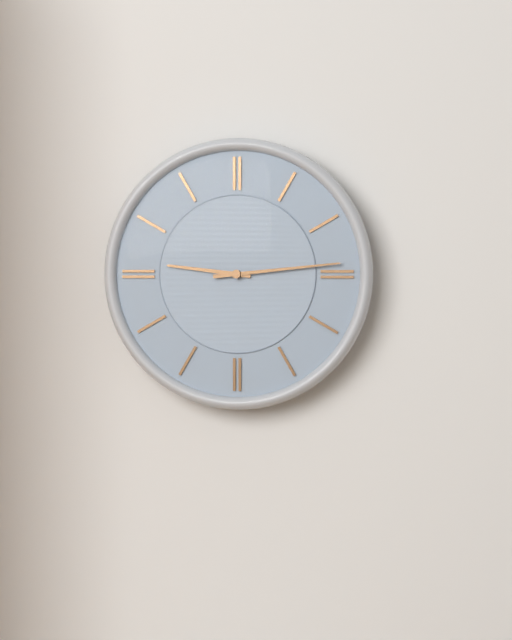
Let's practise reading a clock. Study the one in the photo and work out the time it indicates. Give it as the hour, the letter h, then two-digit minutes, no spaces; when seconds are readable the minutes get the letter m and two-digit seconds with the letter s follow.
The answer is 9h14
